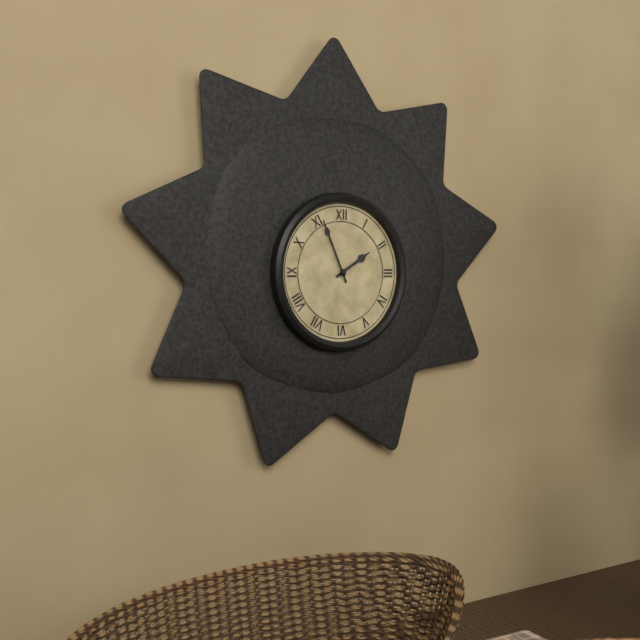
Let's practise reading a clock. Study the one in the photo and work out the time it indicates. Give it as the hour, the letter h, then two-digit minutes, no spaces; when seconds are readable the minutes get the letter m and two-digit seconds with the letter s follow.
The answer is 1h56
